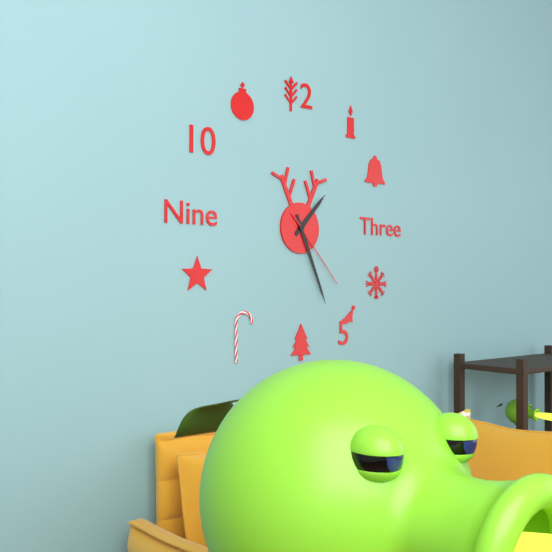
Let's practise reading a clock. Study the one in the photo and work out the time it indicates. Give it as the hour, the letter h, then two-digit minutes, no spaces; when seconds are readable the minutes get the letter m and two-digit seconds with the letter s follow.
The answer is 1h26m23s
